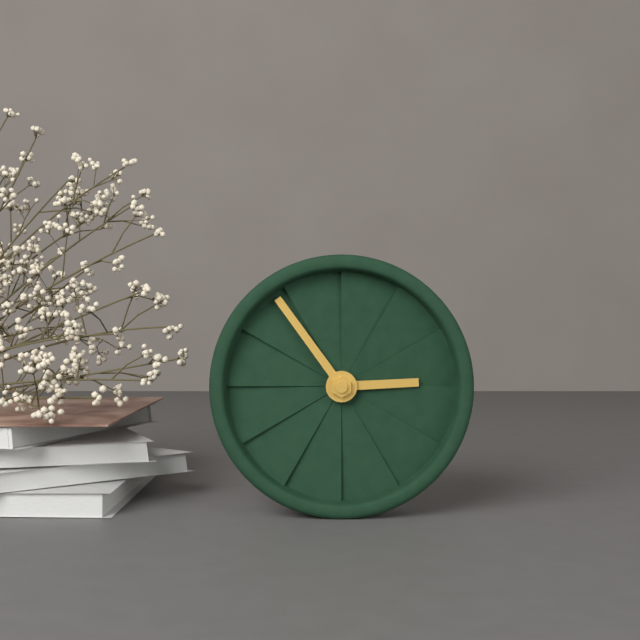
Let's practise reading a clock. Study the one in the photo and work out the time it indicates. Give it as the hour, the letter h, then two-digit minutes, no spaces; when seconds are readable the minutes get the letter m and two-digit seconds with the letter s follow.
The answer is 2h54
